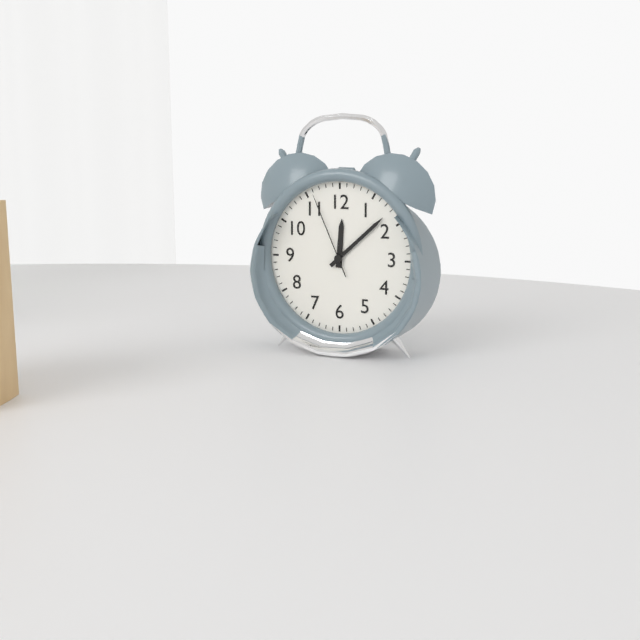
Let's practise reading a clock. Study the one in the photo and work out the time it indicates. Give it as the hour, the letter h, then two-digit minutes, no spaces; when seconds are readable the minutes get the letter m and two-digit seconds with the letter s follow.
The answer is 12h08m56s
